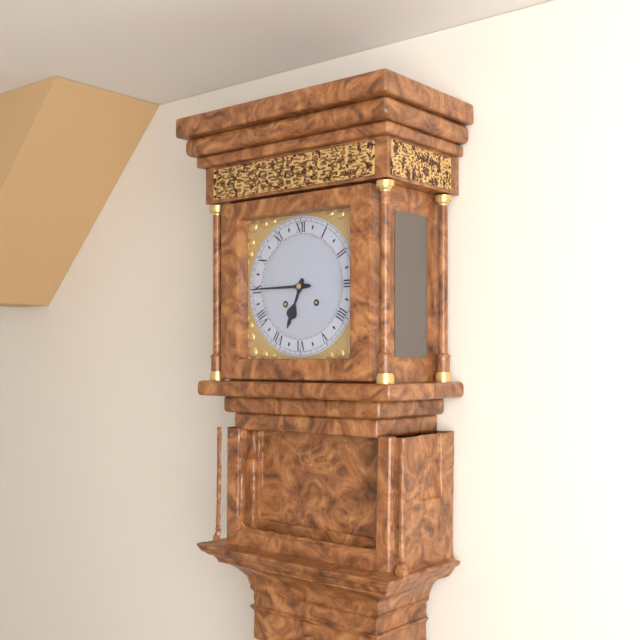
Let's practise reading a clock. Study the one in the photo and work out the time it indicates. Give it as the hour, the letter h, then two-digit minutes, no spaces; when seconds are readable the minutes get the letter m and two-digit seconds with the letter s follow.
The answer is 6h45
